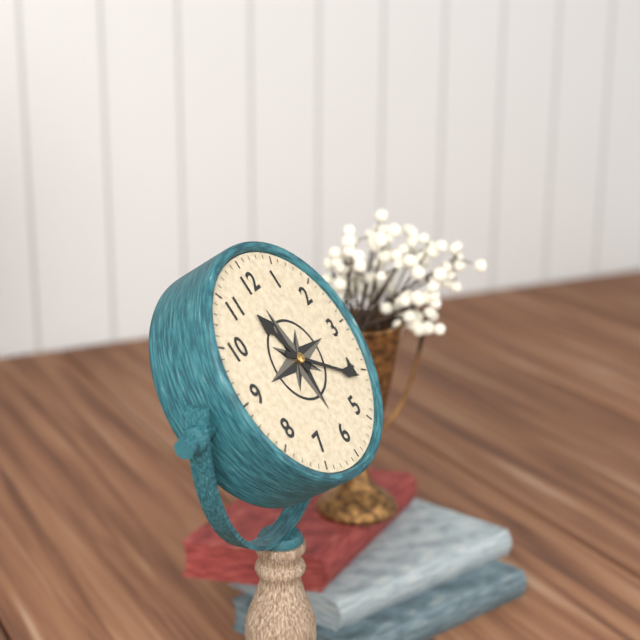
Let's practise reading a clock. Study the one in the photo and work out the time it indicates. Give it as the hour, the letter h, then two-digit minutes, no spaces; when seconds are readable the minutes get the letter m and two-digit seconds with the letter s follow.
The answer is 11h21
